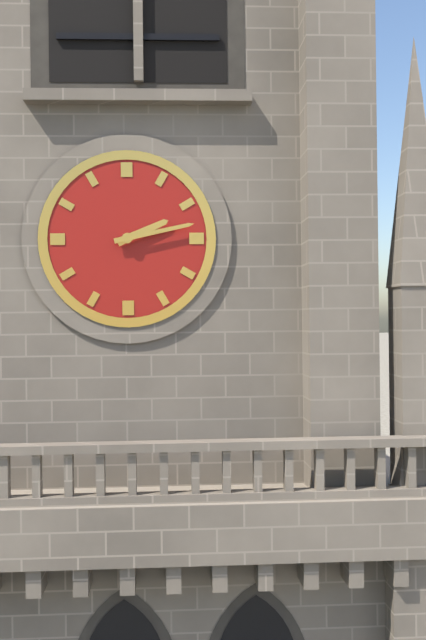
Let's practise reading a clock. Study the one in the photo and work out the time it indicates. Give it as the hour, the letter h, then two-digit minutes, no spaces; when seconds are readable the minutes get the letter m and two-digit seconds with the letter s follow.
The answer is 2h13
